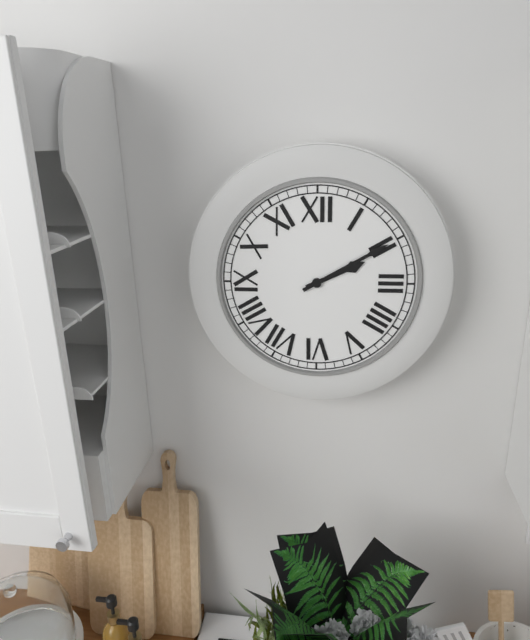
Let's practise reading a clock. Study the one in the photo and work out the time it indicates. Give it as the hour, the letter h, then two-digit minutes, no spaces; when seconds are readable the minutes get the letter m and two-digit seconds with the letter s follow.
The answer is 2h10
